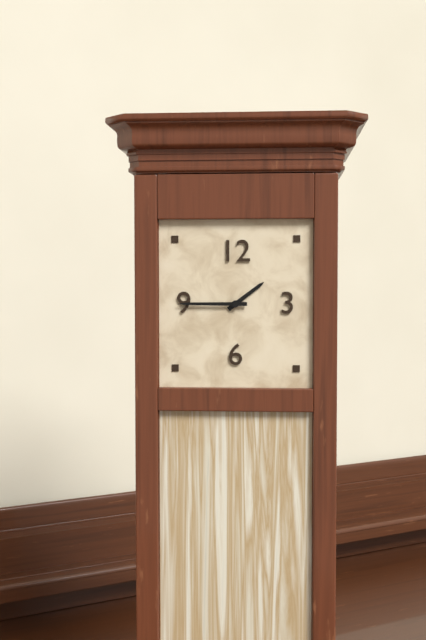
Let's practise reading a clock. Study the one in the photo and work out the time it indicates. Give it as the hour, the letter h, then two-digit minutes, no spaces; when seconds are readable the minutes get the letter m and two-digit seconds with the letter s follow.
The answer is 1h45
